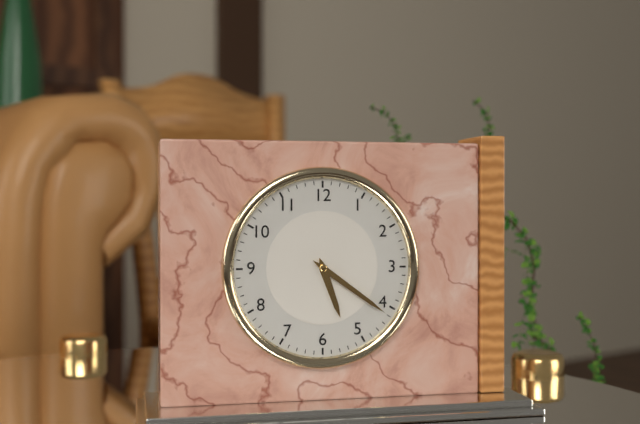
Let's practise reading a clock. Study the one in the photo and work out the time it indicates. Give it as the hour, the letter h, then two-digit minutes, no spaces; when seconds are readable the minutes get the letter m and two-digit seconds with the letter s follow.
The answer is 5h21
